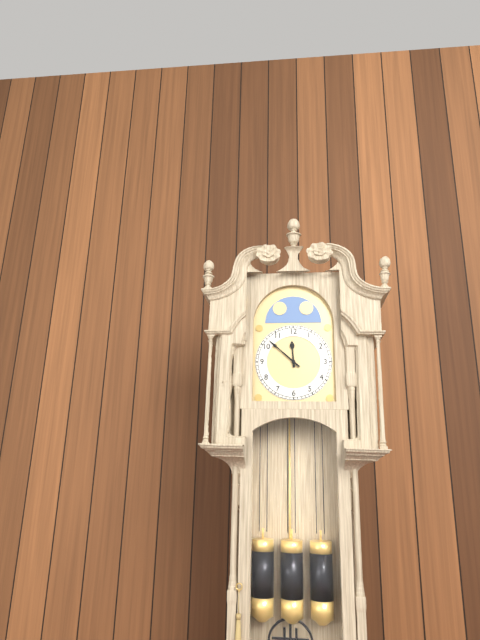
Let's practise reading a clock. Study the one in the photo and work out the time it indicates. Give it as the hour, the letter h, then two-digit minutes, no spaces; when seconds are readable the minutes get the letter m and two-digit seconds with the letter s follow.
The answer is 11h52
